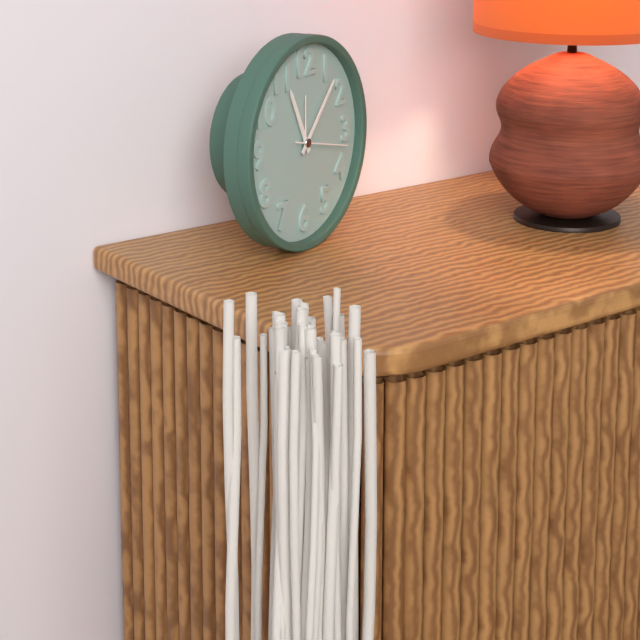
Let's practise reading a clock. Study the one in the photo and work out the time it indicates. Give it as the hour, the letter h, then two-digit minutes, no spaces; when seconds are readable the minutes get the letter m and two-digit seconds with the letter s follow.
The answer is 11h07m17s
